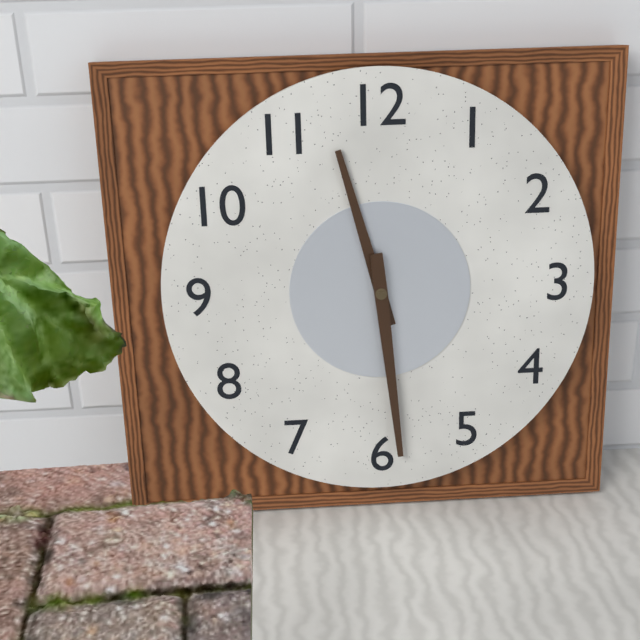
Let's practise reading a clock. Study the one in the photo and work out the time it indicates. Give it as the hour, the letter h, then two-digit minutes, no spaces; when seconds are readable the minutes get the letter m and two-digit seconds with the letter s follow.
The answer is 11h29
